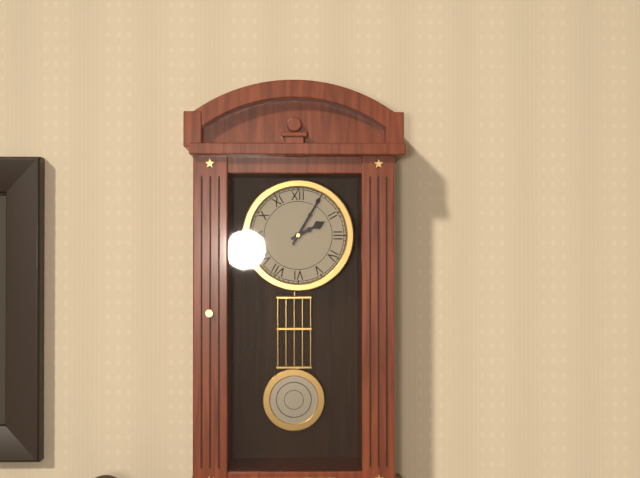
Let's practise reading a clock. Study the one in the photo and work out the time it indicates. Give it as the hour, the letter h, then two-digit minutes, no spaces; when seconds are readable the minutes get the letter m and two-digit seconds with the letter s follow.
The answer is 2h05
